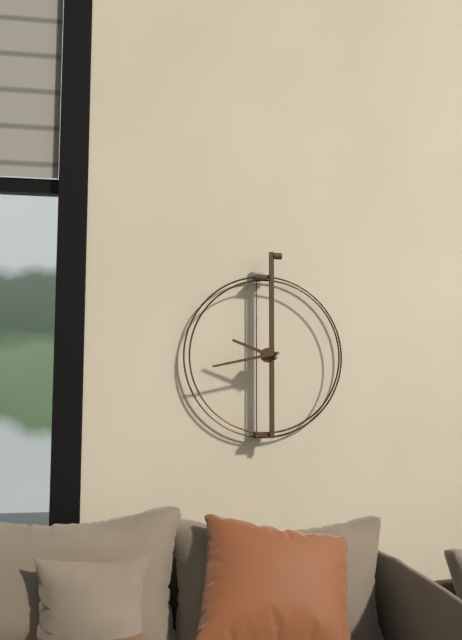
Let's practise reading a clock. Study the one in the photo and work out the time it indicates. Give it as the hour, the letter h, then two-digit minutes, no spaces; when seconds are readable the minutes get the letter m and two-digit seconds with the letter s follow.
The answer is 9h43
